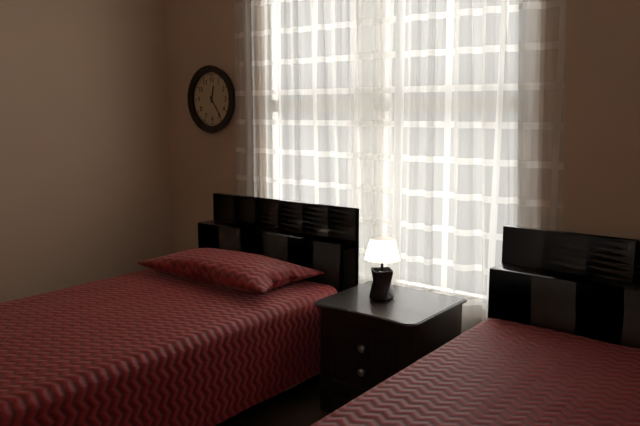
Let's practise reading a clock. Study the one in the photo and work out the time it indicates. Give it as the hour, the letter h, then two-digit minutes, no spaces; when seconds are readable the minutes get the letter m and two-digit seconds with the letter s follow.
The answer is 12h24
